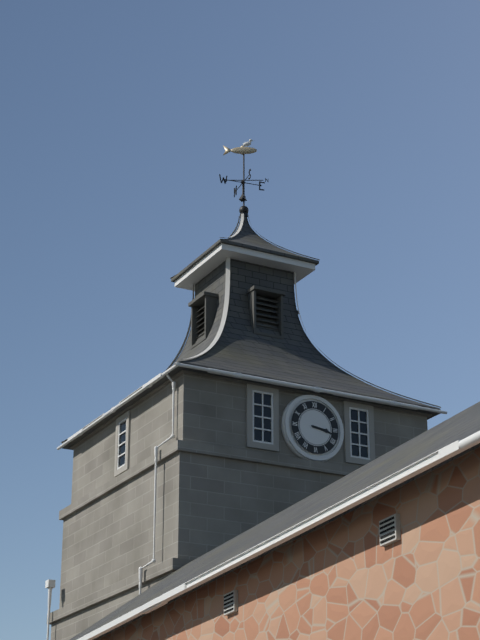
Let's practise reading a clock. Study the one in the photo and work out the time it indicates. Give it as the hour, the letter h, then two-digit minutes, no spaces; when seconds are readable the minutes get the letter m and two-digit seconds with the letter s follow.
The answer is 3h17
